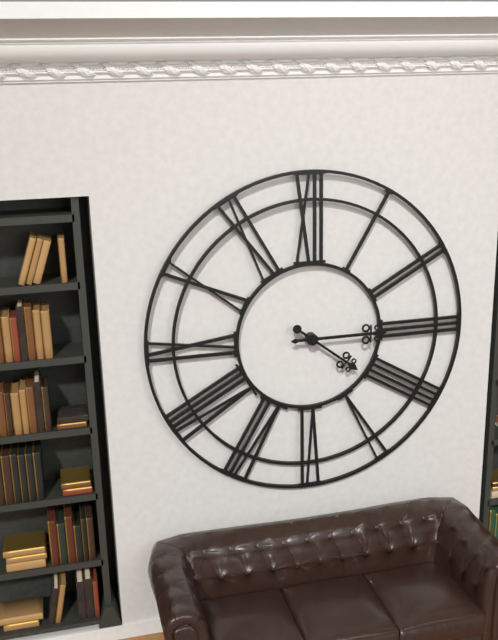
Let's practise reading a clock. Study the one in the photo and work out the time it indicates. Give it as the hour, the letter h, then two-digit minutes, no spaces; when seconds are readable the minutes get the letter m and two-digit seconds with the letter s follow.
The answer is 4h15
